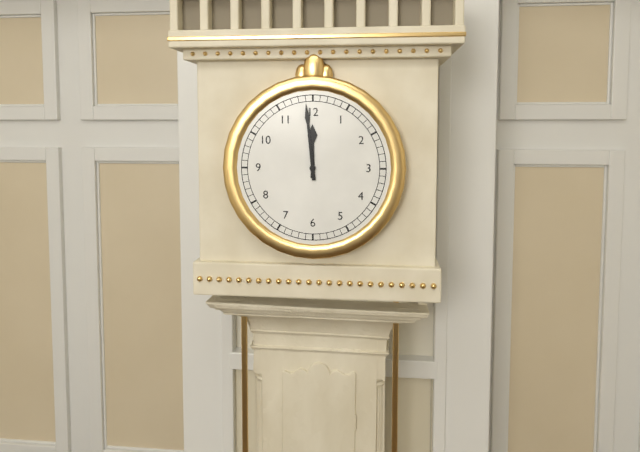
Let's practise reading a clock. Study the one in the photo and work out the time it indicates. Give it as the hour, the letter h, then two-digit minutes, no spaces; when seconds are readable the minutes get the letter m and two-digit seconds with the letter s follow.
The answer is 11h59
